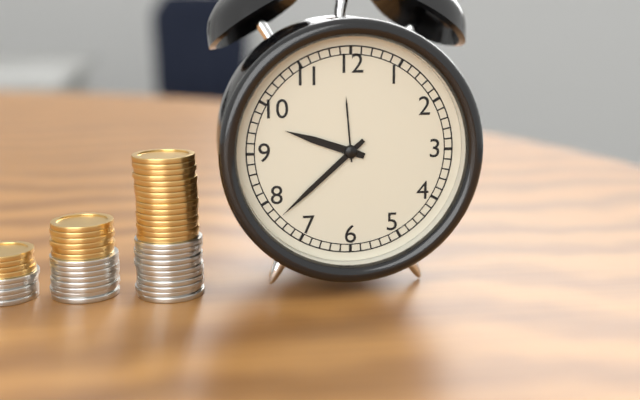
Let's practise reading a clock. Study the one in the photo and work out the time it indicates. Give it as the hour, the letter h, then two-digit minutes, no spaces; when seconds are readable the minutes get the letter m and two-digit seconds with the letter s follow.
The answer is 9h38
